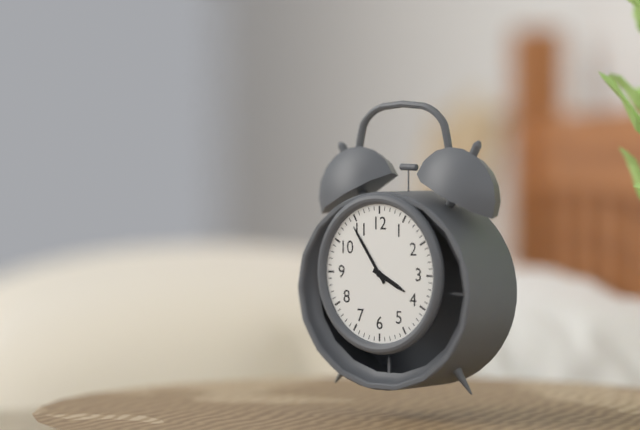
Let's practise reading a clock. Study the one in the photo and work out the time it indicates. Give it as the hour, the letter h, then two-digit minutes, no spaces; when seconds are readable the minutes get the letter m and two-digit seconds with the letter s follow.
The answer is 3h54
